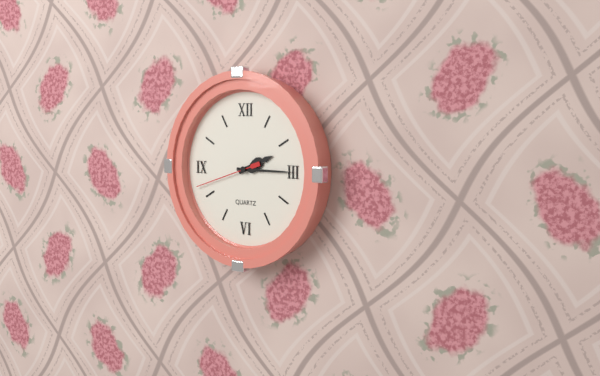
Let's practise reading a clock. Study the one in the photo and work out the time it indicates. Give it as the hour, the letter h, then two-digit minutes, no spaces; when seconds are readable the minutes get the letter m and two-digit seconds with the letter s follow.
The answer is 2h15m42s
